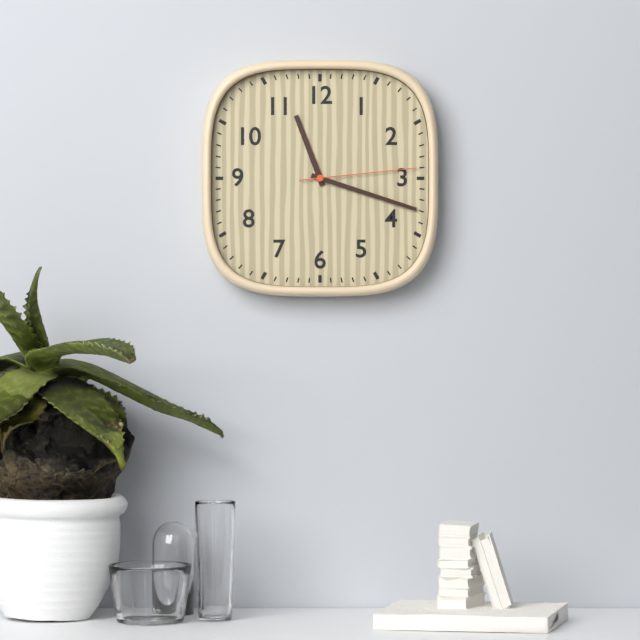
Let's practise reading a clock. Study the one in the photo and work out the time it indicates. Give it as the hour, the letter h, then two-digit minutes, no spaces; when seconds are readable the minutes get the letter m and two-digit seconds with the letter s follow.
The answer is 11h18m14s
